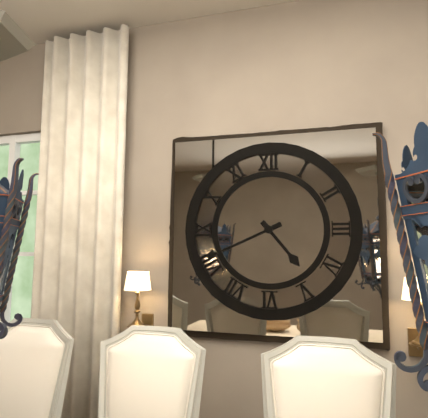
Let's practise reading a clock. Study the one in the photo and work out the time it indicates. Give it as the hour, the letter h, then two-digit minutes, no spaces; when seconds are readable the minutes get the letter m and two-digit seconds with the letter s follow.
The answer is 4h41
